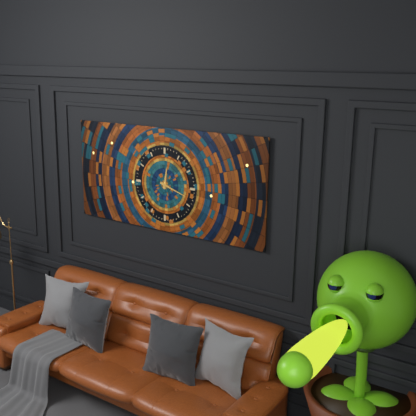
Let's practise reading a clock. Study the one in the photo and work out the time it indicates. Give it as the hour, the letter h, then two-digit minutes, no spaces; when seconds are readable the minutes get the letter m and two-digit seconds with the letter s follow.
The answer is 12h18
